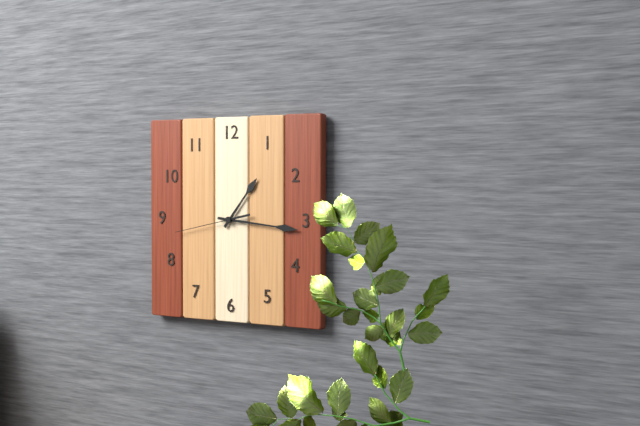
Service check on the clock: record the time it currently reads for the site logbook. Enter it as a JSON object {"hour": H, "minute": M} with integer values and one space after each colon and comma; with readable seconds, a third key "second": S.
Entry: {"hour": 1, "minute": 16, "second": 43}
